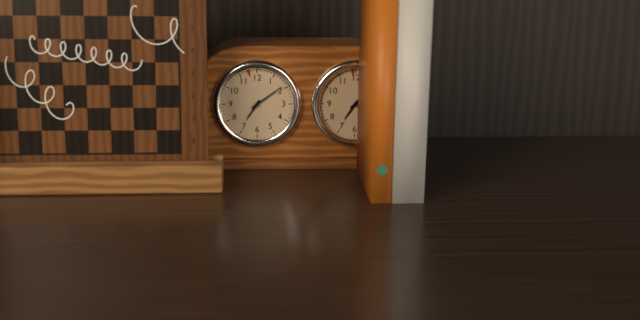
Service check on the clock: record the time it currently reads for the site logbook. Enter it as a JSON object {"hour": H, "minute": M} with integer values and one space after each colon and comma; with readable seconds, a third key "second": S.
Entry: {"hour": 7, "minute": 9}
